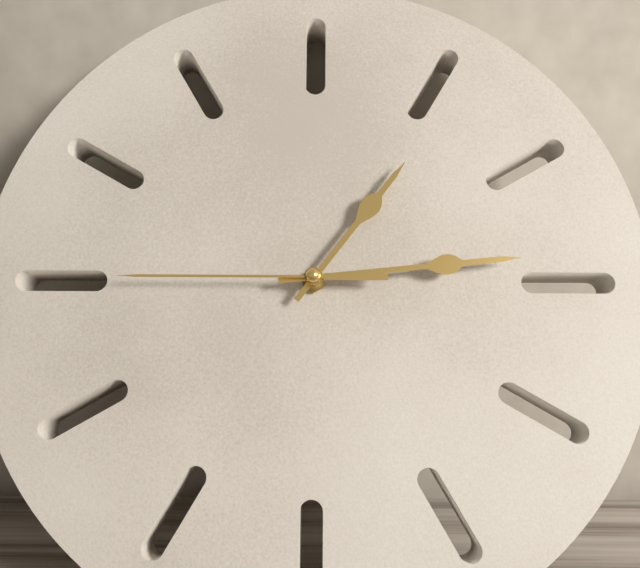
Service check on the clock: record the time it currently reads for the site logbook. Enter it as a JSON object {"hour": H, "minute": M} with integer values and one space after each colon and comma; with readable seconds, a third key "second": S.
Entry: {"hour": 1, "minute": 14, "second": 45}
